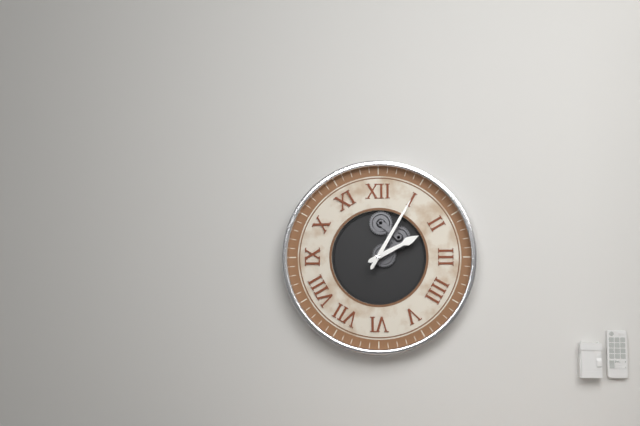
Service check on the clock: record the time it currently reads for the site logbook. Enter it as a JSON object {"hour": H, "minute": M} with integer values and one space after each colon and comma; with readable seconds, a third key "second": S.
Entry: {"hour": 2, "minute": 5}
